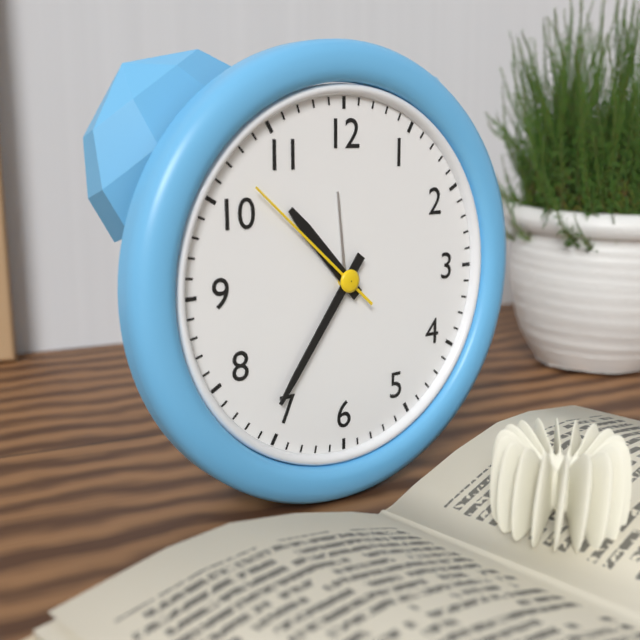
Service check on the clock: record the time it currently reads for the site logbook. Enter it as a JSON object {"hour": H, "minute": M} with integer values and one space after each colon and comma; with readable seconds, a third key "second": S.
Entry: {"hour": 10, "minute": 36, "second": 52}
